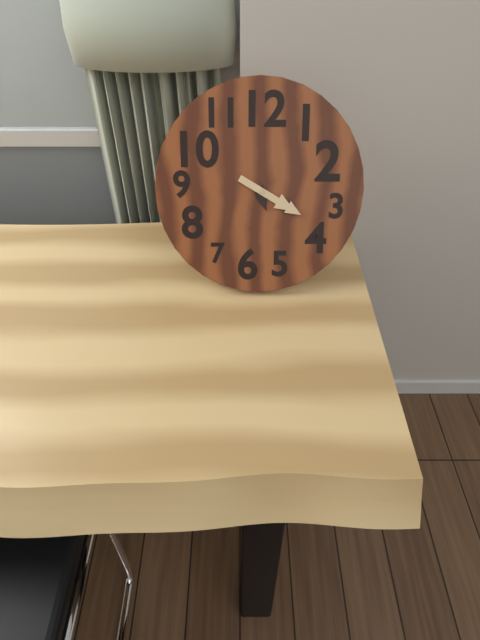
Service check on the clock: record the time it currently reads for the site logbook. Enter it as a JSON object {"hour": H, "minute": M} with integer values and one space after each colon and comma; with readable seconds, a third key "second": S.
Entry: {"hour": 5, "minute": 20}
